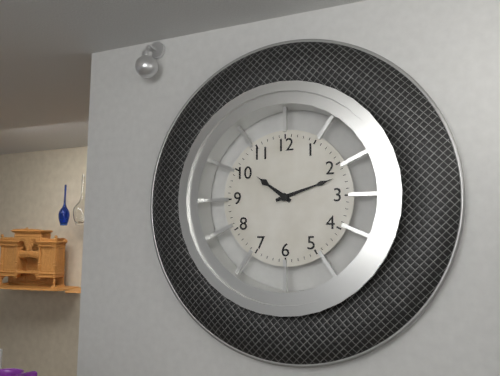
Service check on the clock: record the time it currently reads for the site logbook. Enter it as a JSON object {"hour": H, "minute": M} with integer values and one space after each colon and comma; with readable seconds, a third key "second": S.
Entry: {"hour": 10, "minute": 12}
